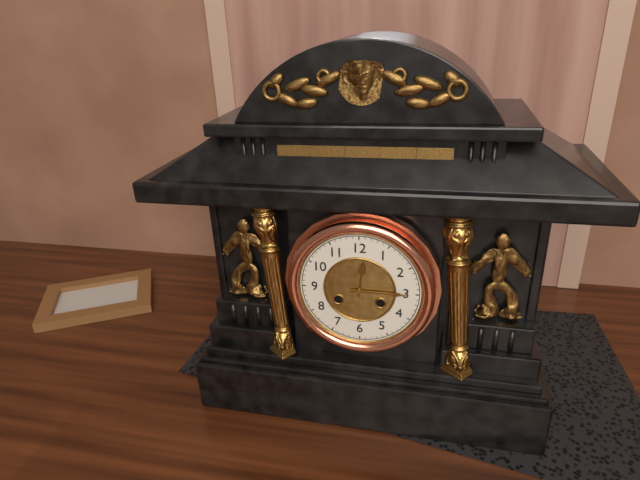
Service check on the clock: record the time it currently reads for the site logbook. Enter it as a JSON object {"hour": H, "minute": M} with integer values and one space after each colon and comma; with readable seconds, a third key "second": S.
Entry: {"hour": 12, "minute": 15}
